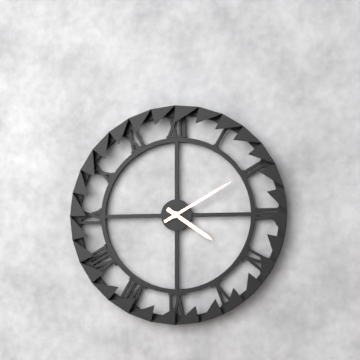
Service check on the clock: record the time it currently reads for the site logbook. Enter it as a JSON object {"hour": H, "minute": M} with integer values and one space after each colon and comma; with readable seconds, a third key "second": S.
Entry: {"hour": 4, "minute": 10}
